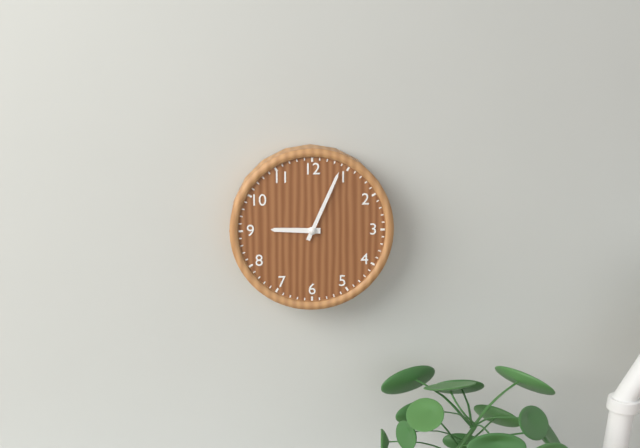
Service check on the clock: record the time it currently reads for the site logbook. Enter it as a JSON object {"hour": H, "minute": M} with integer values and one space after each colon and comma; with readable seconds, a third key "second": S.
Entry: {"hour": 9, "minute": 4}
